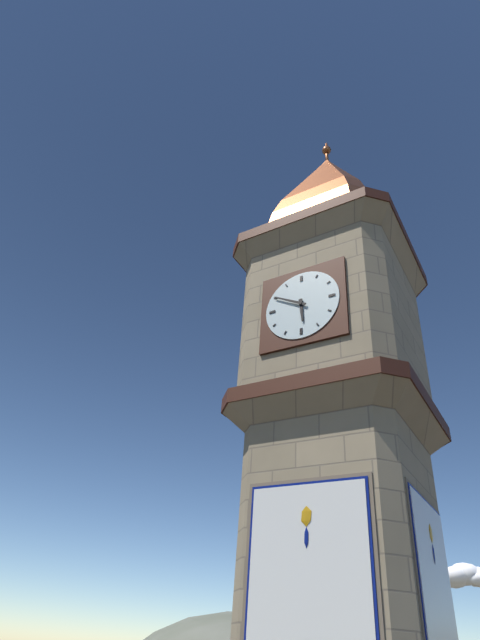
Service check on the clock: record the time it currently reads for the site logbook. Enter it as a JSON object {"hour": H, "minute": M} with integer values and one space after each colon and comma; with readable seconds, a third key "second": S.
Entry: {"hour": 5, "minute": 50}
